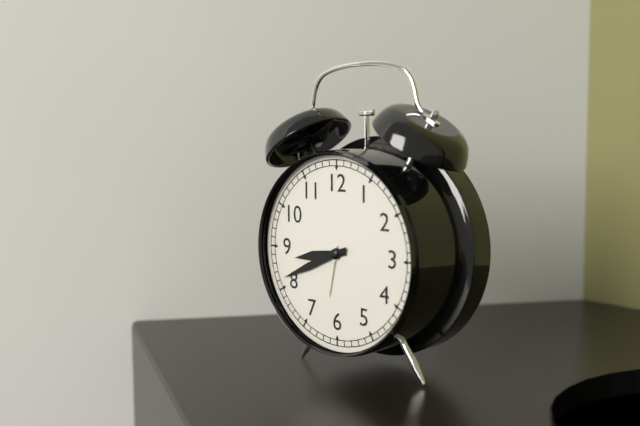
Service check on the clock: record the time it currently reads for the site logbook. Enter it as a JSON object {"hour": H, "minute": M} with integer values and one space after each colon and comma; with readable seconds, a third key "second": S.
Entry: {"hour": 8, "minute": 41}
